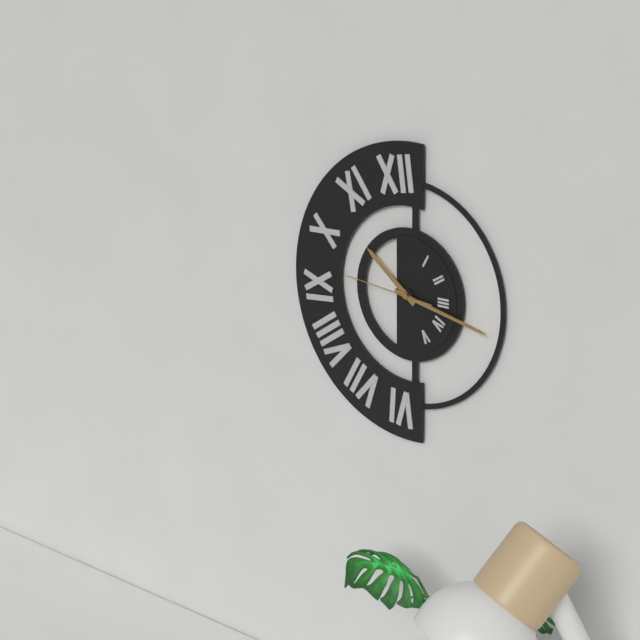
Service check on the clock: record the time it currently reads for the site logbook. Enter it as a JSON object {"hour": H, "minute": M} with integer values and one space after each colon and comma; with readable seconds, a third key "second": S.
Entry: {"hour": 10, "minute": 17, "second": 46}
